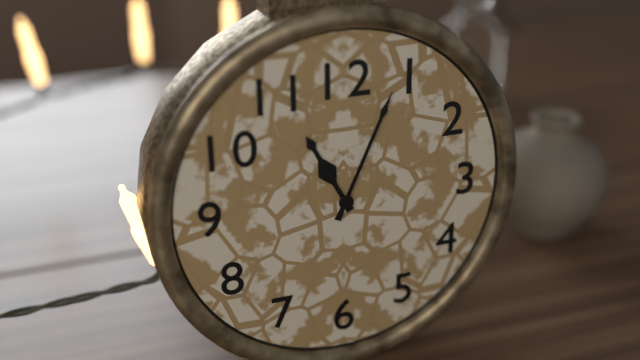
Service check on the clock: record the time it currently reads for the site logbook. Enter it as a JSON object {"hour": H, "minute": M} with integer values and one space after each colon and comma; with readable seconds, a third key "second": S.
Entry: {"hour": 11, "minute": 4}
